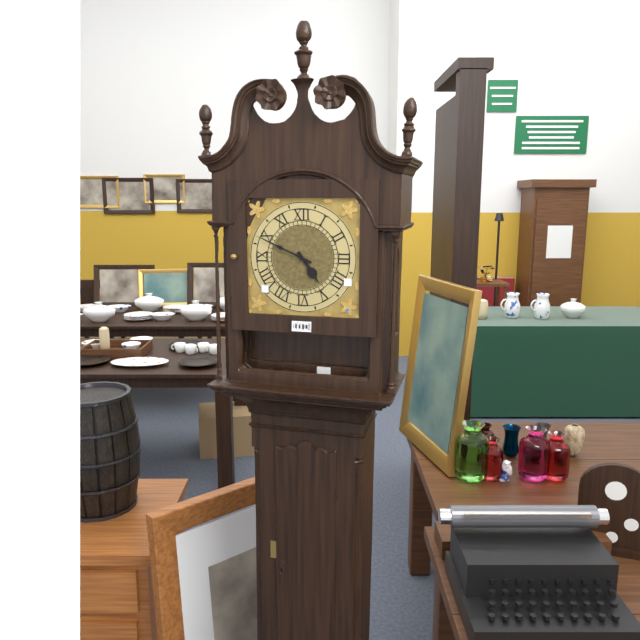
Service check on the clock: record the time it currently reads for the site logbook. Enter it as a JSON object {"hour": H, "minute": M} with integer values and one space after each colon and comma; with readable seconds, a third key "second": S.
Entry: {"hour": 4, "minute": 49}
